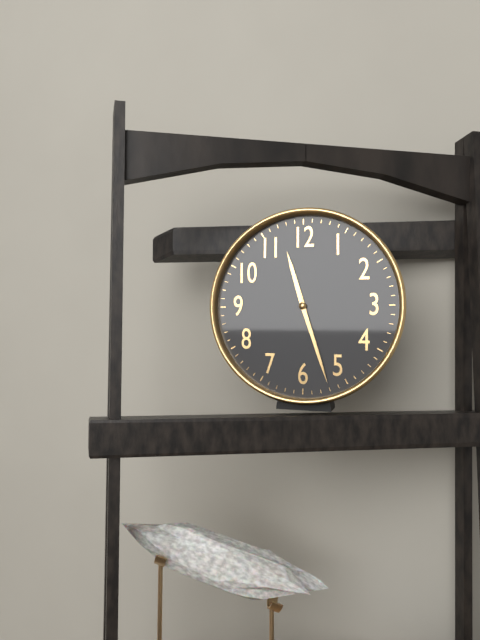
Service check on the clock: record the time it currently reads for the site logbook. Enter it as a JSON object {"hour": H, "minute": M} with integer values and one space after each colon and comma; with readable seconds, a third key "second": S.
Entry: {"hour": 11, "minute": 27}
